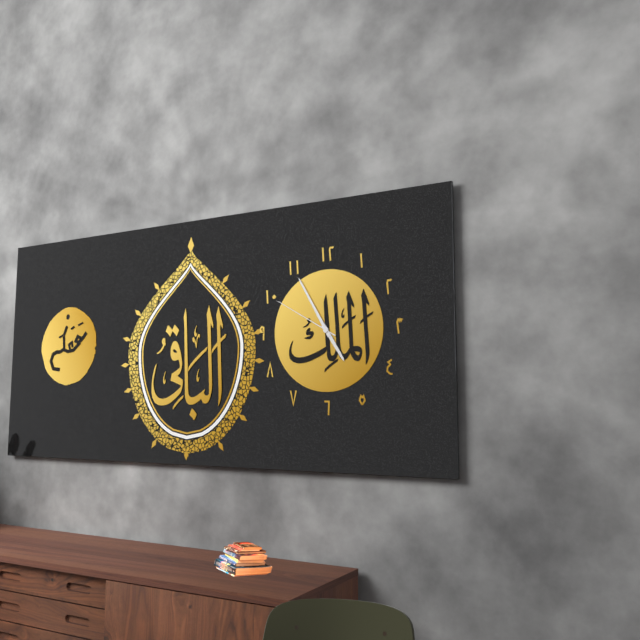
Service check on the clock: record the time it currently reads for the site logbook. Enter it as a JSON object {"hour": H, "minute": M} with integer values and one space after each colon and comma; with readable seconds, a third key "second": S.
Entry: {"hour": 4, "minute": 55, "second": 50}
